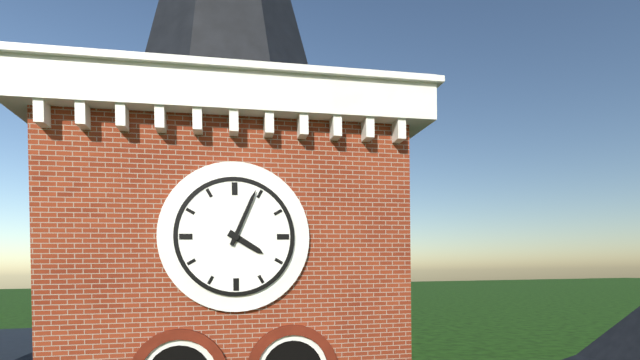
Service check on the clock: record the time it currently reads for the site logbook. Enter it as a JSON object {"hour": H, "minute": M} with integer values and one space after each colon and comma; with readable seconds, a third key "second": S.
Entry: {"hour": 4, "minute": 4}
